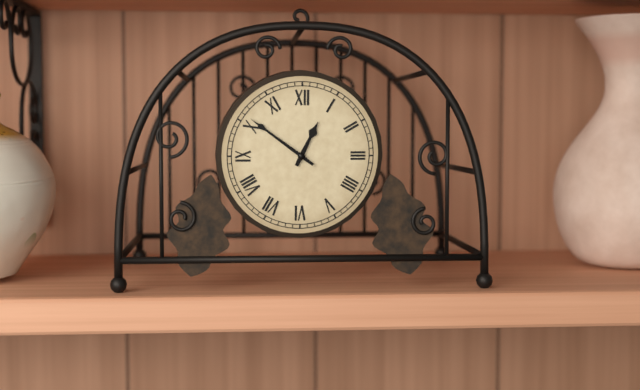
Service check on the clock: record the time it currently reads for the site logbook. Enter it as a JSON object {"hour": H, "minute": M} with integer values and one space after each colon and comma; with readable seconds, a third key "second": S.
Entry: {"hour": 12, "minute": 51}
